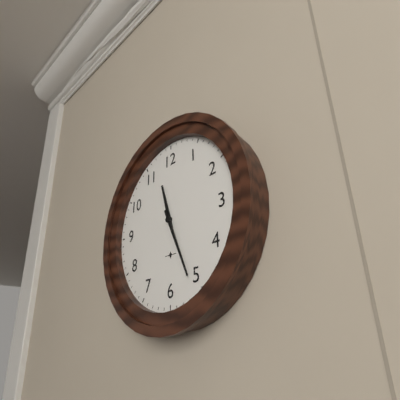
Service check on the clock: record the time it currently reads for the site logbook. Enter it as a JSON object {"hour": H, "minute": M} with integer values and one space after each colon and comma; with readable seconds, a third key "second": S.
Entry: {"hour": 11, "minute": 26}
